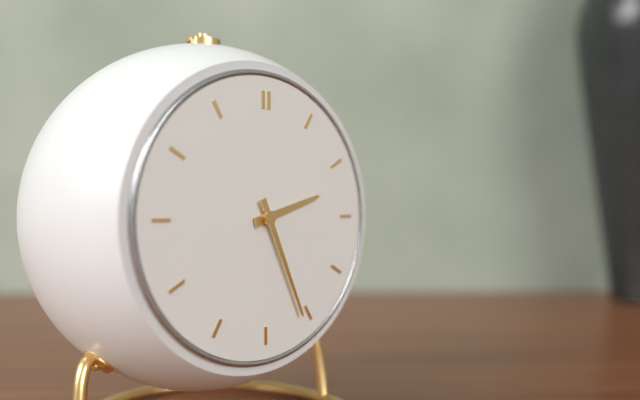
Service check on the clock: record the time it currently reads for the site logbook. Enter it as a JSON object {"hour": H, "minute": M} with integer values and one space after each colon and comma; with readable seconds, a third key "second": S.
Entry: {"hour": 2, "minute": 26}
